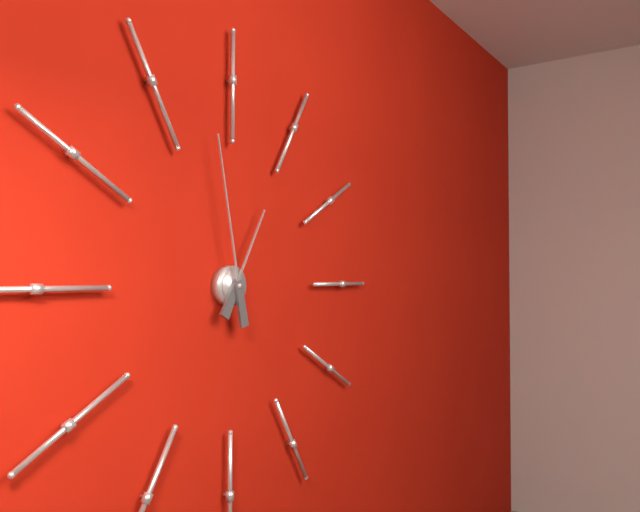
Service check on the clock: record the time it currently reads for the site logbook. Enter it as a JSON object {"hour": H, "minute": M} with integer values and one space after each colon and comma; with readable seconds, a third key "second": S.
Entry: {"hour": 12, "minute": 58}
